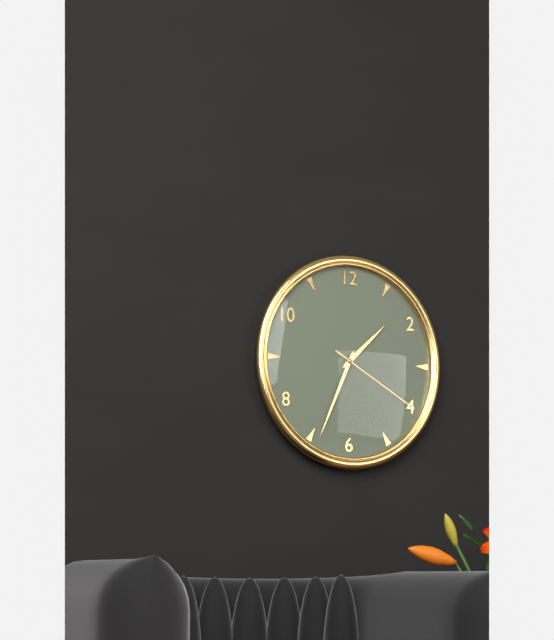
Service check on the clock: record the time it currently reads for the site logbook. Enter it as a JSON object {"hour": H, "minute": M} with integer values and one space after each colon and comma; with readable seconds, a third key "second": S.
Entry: {"hour": 1, "minute": 34, "second": 20}
